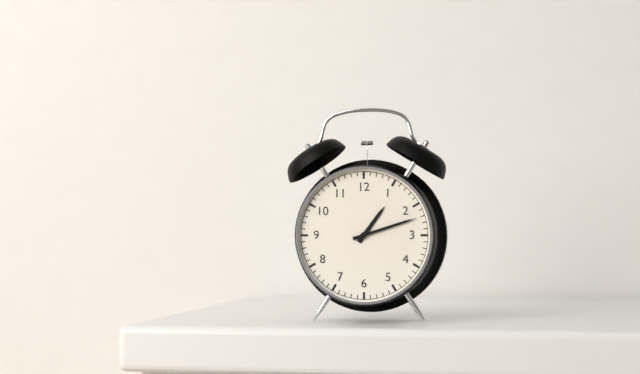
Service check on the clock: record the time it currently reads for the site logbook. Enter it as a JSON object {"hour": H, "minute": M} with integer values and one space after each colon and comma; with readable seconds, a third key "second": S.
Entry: {"hour": 1, "minute": 12}
